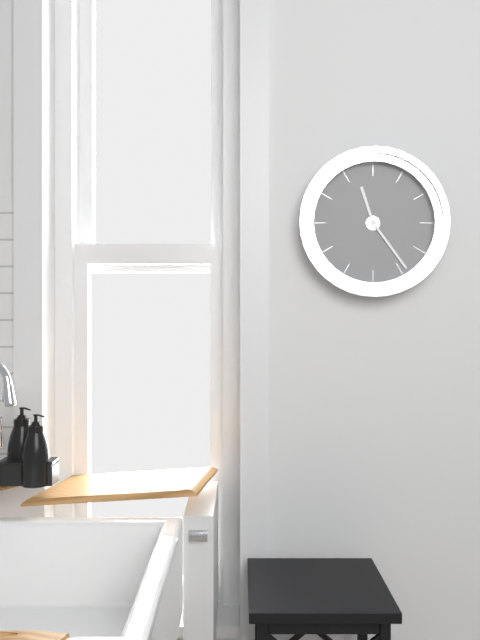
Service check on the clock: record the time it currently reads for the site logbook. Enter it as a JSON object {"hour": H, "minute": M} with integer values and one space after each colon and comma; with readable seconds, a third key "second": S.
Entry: {"hour": 11, "minute": 24}
